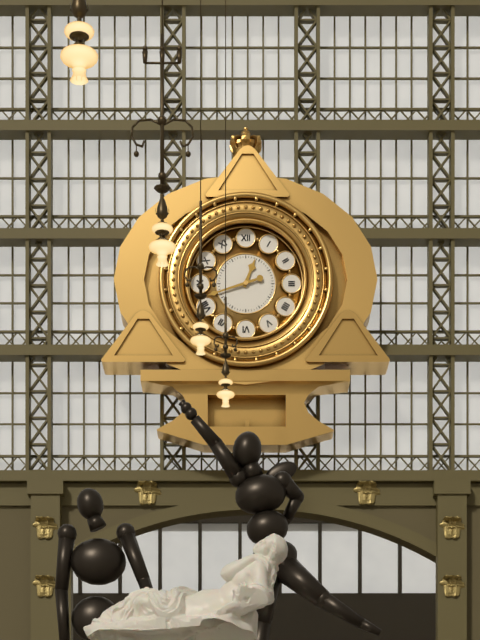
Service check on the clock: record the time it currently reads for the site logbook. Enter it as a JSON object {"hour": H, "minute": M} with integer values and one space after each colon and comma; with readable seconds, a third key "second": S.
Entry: {"hour": 12, "minute": 42}
